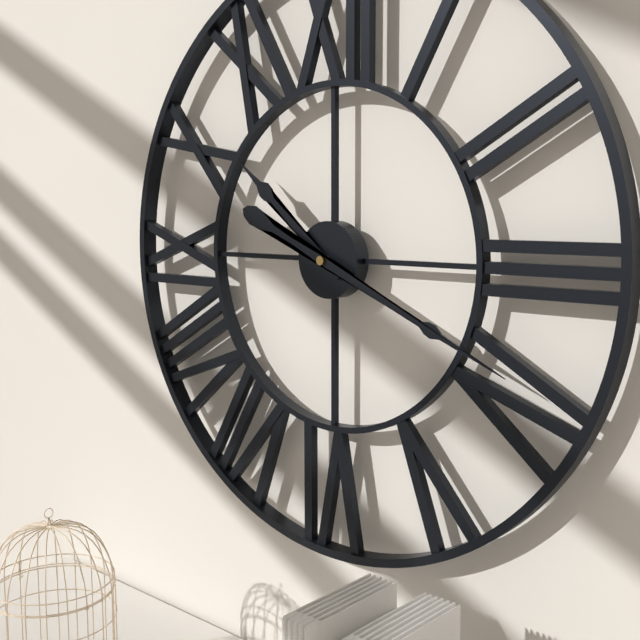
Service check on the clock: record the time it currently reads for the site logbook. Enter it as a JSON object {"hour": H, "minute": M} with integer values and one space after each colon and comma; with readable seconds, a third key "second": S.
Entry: {"hour": 10, "minute": 19}
